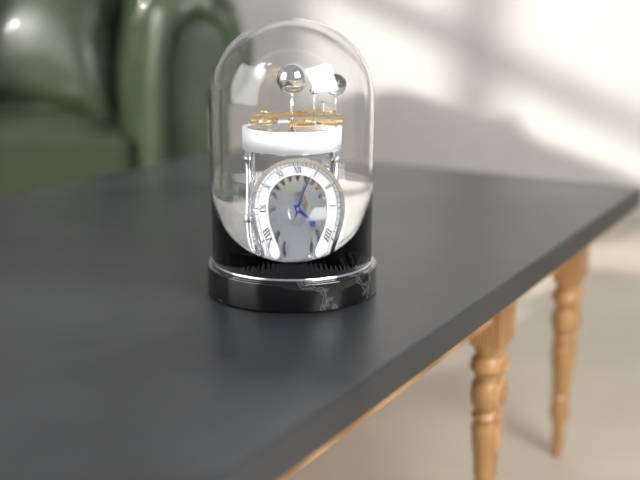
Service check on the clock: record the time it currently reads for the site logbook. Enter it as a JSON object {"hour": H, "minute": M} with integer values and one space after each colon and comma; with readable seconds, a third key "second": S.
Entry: {"hour": 4, "minute": 4}
